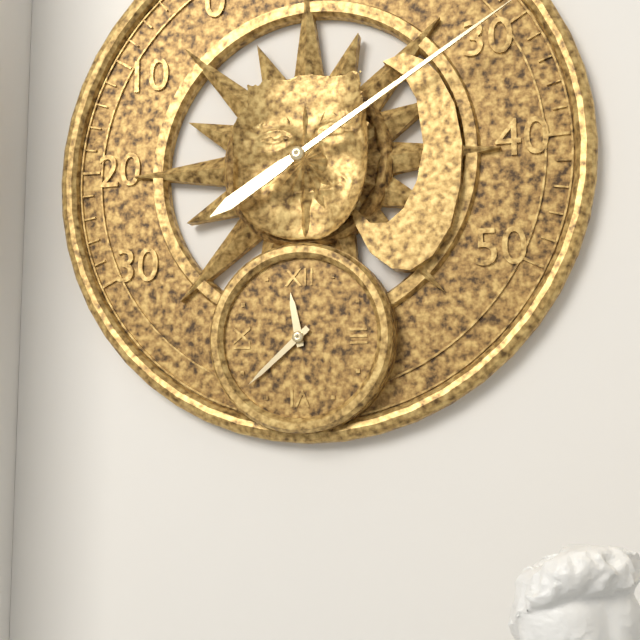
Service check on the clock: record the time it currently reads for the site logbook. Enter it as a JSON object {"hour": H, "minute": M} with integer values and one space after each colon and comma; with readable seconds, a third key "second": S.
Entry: {"hour": 11, "minute": 38}
